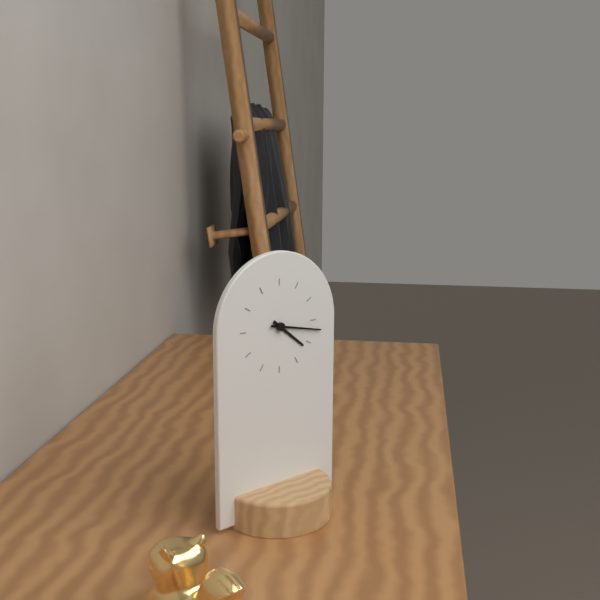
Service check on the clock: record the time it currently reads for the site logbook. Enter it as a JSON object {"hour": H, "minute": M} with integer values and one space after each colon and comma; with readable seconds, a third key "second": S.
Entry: {"hour": 4, "minute": 17}
